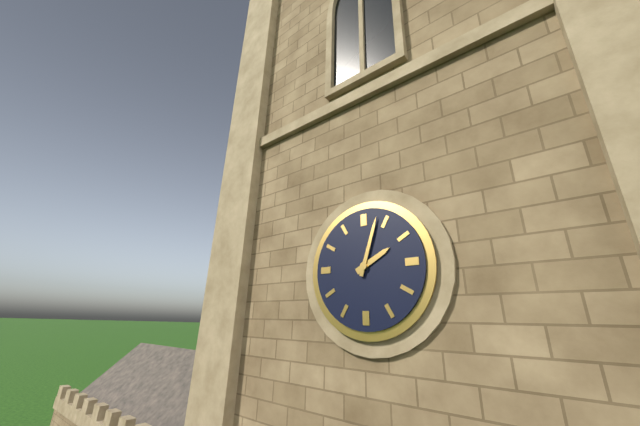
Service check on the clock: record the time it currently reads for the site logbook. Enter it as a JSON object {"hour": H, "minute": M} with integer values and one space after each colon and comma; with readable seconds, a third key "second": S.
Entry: {"hour": 2, "minute": 3}
